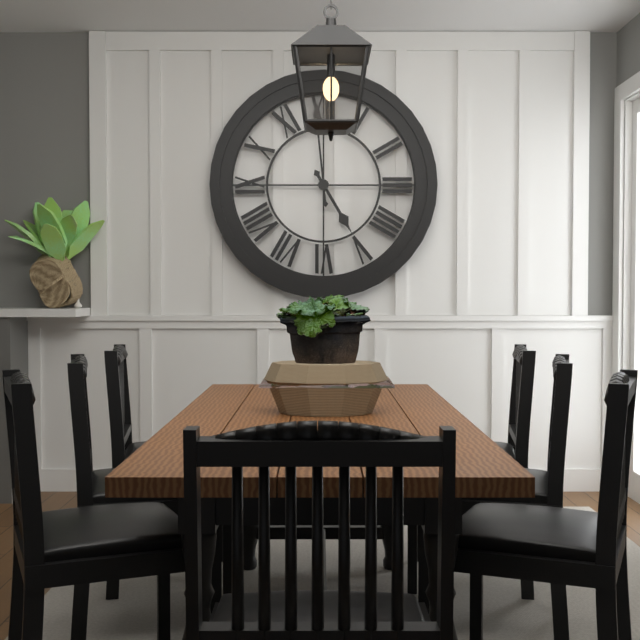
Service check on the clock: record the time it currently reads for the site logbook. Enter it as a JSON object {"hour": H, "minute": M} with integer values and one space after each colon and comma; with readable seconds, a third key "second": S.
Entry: {"hour": 4, "minute": 59}
